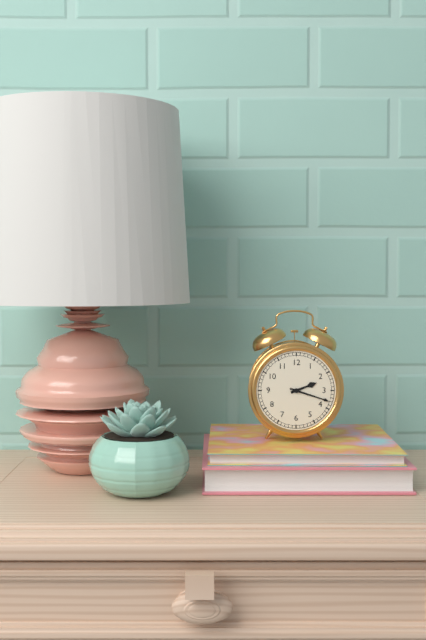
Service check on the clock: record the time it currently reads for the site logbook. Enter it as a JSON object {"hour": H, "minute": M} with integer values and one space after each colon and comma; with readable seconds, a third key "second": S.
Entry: {"hour": 2, "minute": 18}
